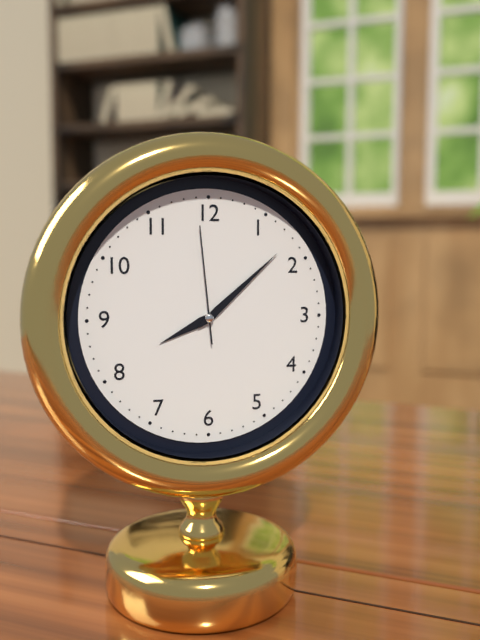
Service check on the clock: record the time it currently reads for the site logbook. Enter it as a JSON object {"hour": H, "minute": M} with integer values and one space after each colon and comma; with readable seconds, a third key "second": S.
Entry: {"hour": 8, "minute": 8, "second": 59}
